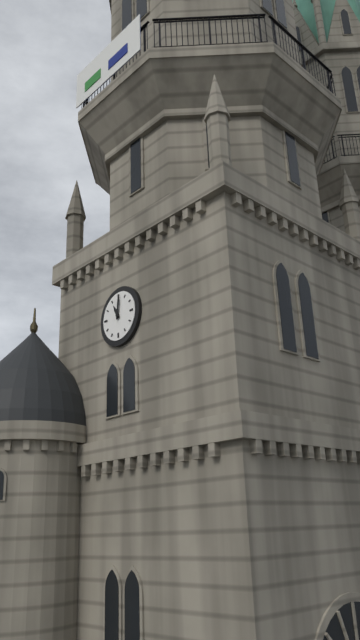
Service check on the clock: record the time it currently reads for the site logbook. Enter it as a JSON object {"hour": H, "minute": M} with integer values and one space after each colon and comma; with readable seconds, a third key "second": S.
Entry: {"hour": 11, "minute": 1}
